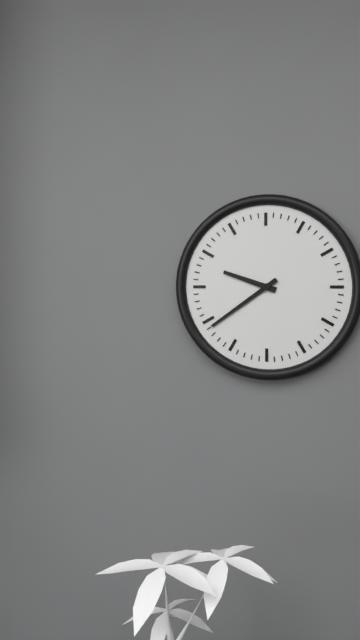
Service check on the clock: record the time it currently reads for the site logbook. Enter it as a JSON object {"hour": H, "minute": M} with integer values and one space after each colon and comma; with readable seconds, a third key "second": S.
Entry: {"hour": 9, "minute": 39}
